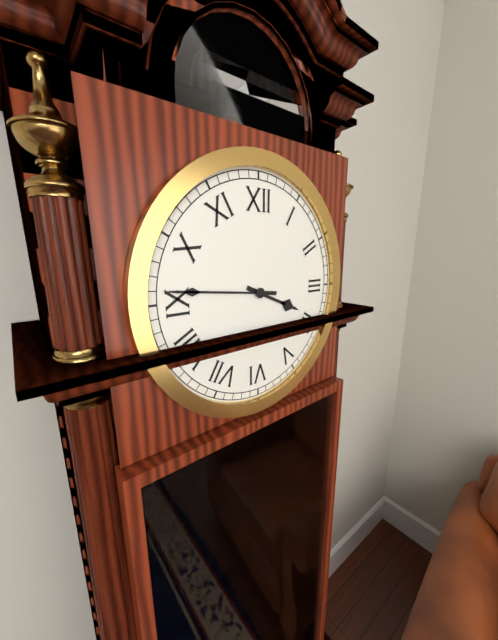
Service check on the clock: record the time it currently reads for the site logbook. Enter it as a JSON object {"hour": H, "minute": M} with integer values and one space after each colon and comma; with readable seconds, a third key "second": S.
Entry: {"hour": 3, "minute": 46}
